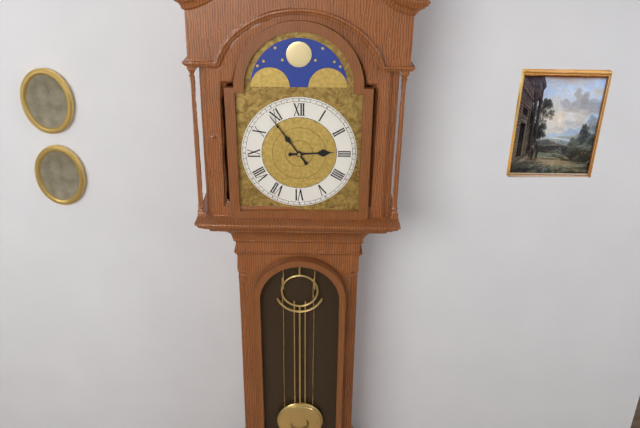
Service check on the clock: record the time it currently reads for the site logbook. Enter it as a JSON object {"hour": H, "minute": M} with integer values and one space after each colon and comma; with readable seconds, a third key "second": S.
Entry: {"hour": 2, "minute": 54}
